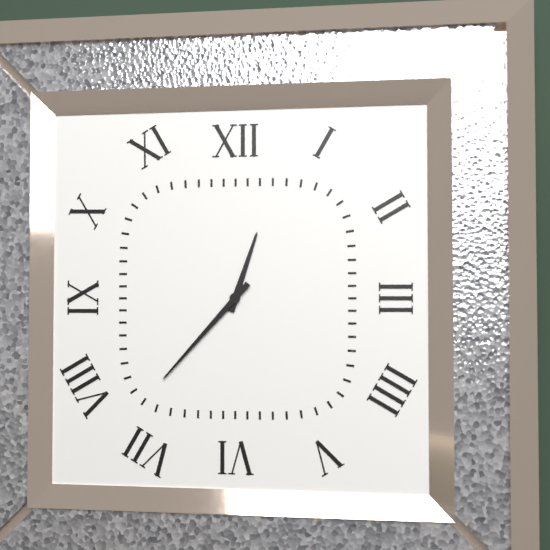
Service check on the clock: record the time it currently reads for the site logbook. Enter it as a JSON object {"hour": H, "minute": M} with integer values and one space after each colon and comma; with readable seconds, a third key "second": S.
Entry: {"hour": 12, "minute": 37}
